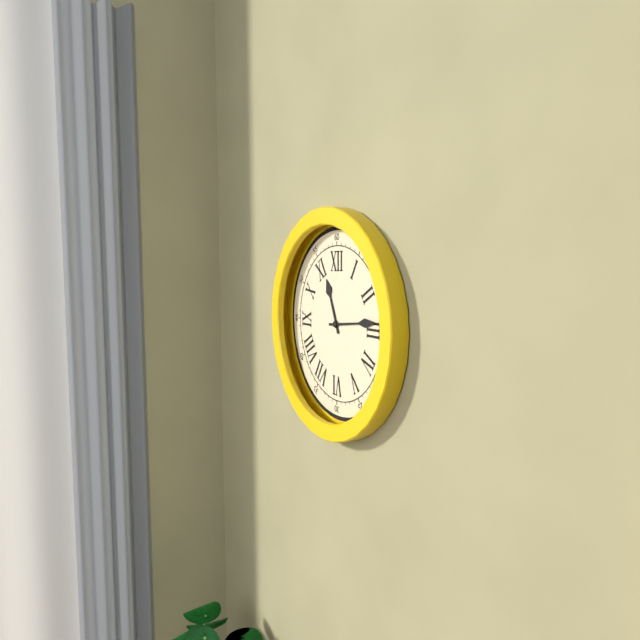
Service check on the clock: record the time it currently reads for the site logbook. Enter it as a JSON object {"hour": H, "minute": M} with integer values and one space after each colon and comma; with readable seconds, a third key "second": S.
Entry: {"hour": 11, "minute": 14}
